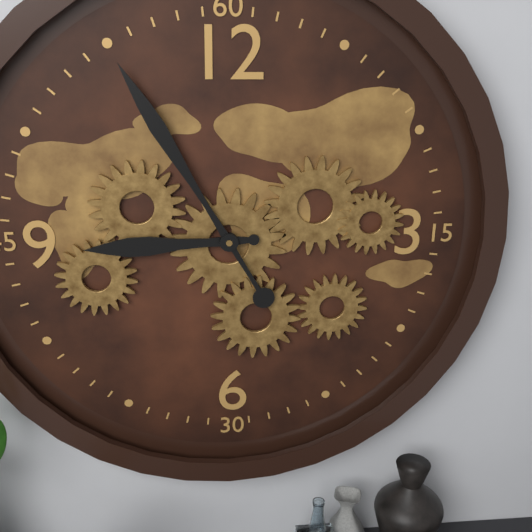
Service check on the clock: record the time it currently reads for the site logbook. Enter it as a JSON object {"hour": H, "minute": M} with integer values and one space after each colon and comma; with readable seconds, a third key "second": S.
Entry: {"hour": 8, "minute": 55}
